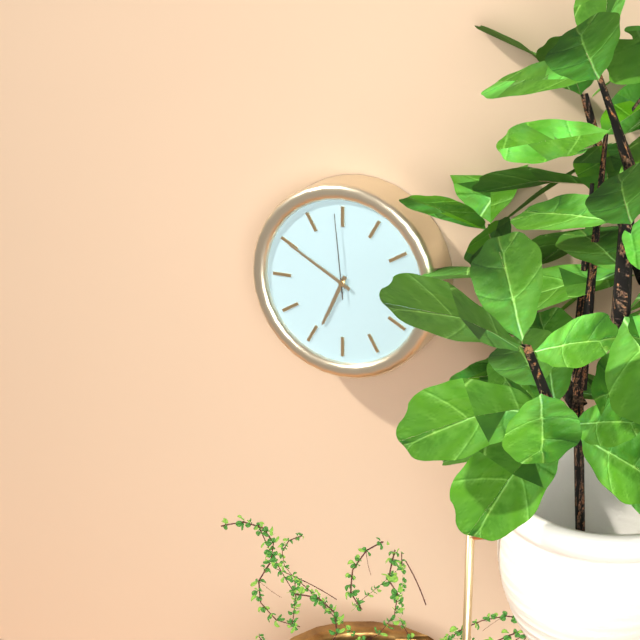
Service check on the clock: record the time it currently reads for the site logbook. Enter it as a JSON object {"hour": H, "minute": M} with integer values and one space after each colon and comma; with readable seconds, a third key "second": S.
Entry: {"hour": 6, "minute": 50, "second": 59}
